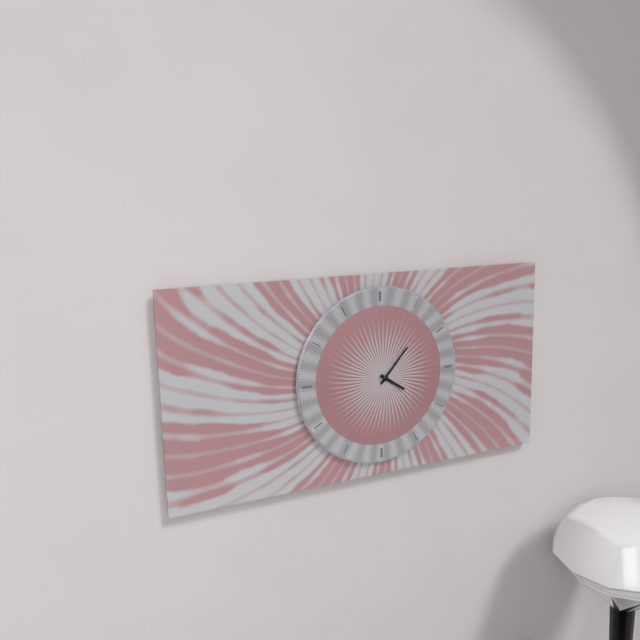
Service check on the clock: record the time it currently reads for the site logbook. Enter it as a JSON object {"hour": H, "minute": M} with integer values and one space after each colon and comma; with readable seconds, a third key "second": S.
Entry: {"hour": 4, "minute": 7}
